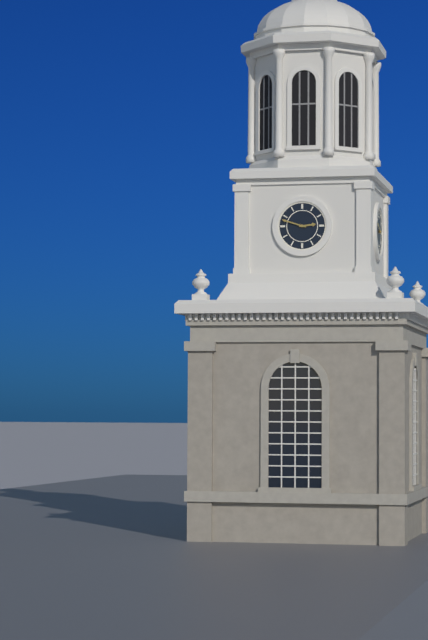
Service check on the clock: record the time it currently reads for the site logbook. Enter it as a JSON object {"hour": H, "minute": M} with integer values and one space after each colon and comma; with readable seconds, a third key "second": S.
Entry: {"hour": 2, "minute": 48}
